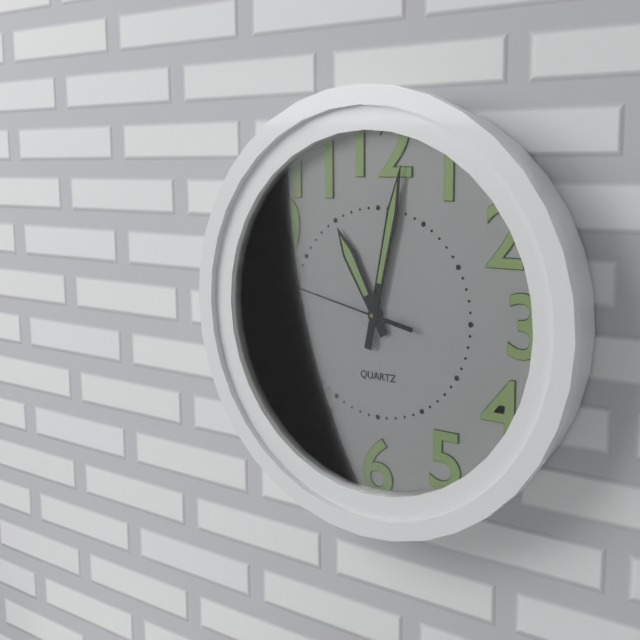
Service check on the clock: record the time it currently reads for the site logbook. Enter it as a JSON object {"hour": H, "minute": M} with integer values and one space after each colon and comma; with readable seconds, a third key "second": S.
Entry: {"hour": 11, "minute": 2, "second": 47}
